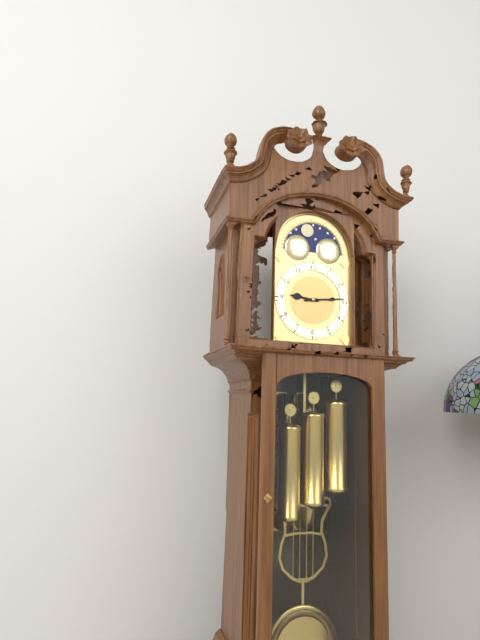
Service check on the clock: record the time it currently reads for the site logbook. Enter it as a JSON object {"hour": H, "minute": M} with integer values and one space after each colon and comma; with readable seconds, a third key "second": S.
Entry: {"hour": 9, "minute": 14}
